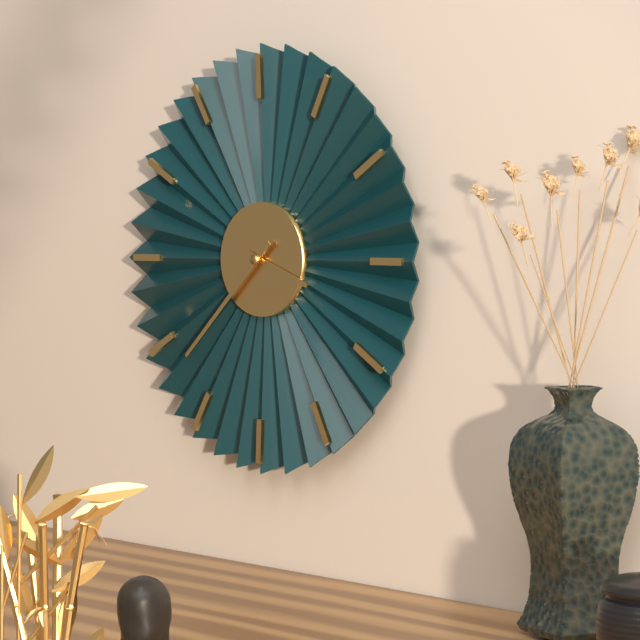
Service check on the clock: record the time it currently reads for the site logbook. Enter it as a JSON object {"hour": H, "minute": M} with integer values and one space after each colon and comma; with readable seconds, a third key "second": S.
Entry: {"hour": 3, "minute": 38}
